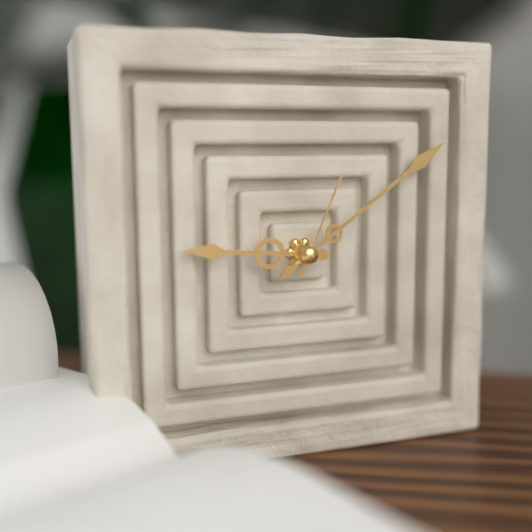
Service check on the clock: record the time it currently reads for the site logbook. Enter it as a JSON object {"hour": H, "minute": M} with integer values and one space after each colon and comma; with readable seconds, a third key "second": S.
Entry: {"hour": 9, "minute": 9, "second": 4}
